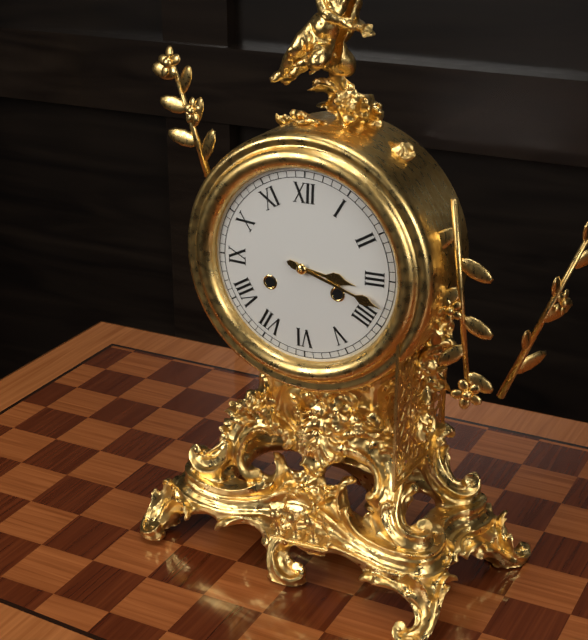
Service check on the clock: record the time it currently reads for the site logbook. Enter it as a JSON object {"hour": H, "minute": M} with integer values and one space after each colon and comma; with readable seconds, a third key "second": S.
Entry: {"hour": 3, "minute": 18}
